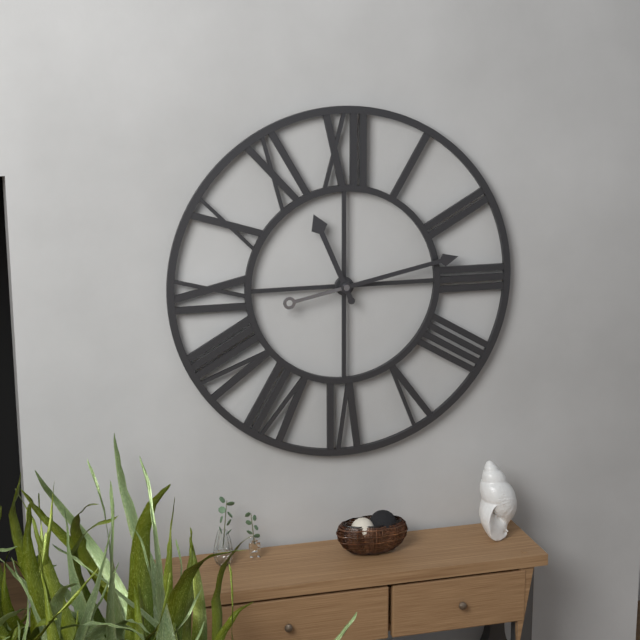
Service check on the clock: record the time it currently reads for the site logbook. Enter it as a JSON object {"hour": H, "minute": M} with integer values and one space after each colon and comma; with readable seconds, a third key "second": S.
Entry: {"hour": 11, "minute": 13}
